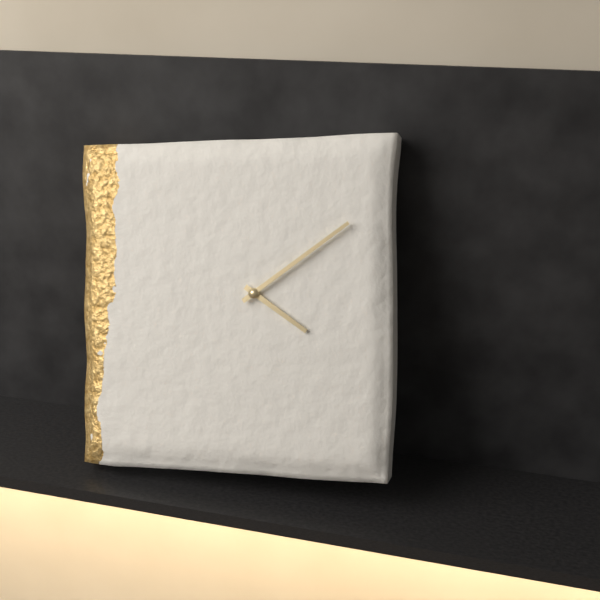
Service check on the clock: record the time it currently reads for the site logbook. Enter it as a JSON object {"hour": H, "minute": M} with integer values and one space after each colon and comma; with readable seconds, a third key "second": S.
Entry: {"hour": 4, "minute": 9}
